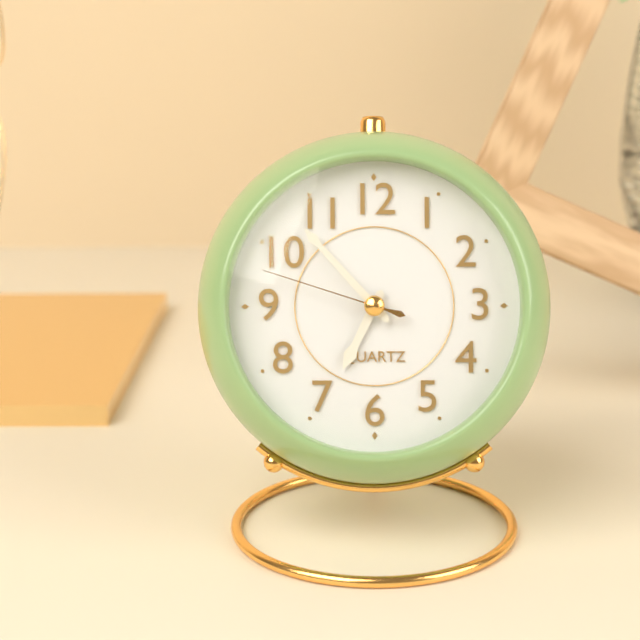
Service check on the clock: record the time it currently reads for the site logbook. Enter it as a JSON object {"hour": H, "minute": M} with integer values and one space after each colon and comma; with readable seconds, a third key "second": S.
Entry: {"hour": 6, "minute": 53, "second": 48}
